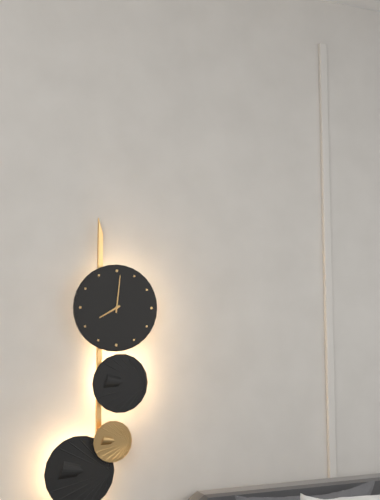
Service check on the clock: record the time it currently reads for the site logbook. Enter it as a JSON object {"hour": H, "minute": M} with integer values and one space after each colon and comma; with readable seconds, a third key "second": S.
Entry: {"hour": 8, "minute": 1}
